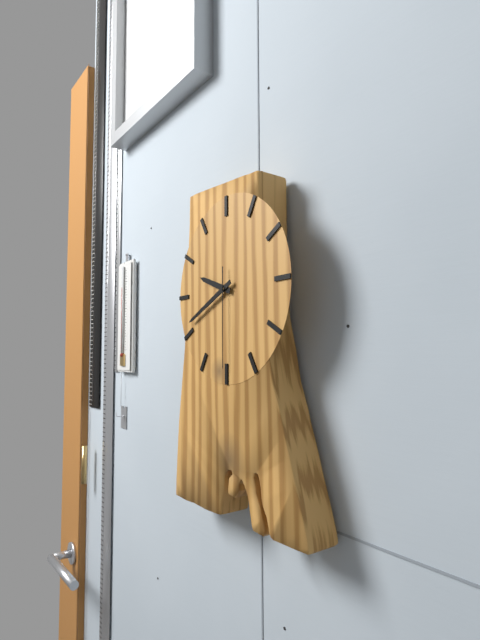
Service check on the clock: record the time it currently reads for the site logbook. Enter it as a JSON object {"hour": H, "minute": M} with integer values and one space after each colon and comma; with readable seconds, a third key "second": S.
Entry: {"hour": 9, "minute": 41, "second": 30}
